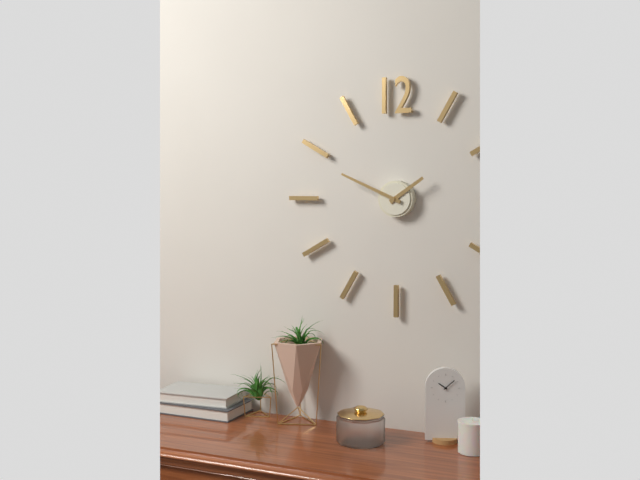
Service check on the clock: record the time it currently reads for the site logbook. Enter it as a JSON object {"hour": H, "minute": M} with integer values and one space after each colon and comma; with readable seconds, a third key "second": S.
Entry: {"hour": 1, "minute": 49}
